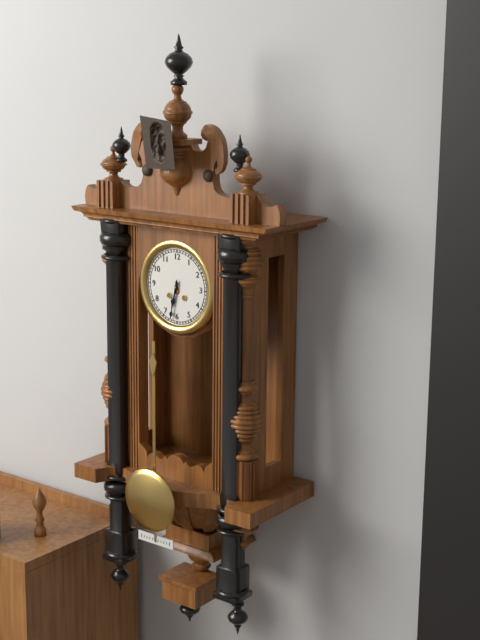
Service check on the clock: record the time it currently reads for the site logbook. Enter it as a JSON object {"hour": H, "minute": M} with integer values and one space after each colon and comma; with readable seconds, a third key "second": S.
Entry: {"hour": 6, "minute": 32}
